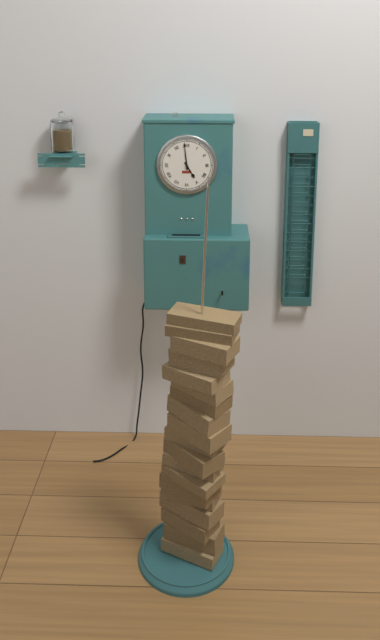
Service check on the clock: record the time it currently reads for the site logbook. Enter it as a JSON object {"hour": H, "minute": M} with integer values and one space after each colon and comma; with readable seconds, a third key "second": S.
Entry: {"hour": 4, "minute": 59}
